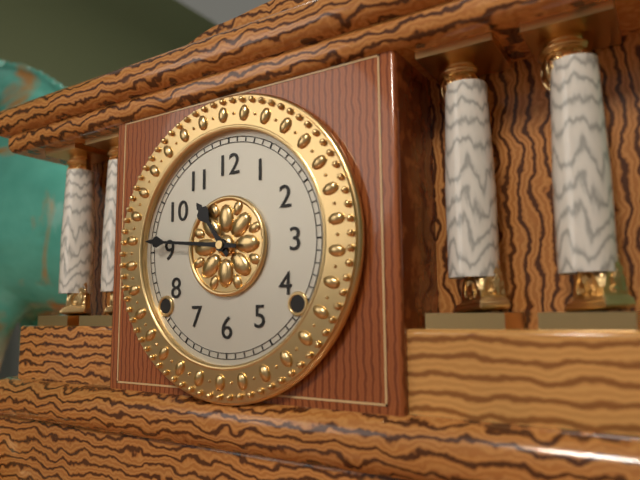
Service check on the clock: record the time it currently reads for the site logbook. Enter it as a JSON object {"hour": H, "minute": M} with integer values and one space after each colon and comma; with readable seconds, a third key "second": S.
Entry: {"hour": 10, "minute": 46}
